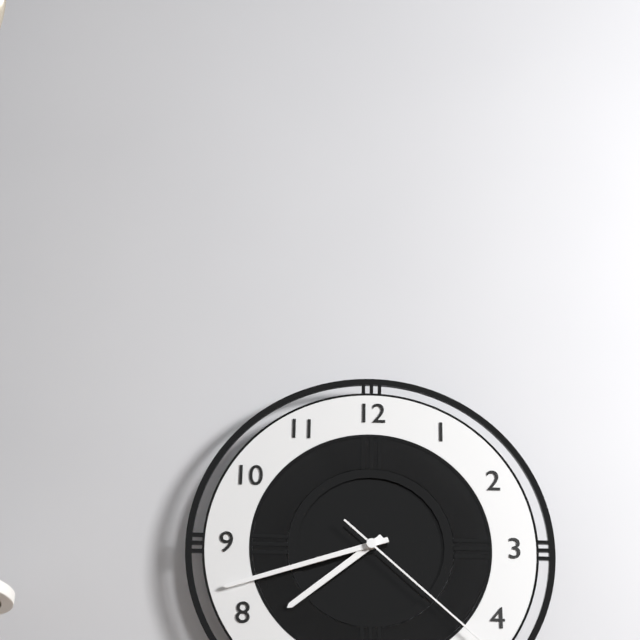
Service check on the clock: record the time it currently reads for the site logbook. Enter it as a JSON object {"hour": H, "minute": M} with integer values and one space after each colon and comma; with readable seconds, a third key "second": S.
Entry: {"hour": 7, "minute": 42}
